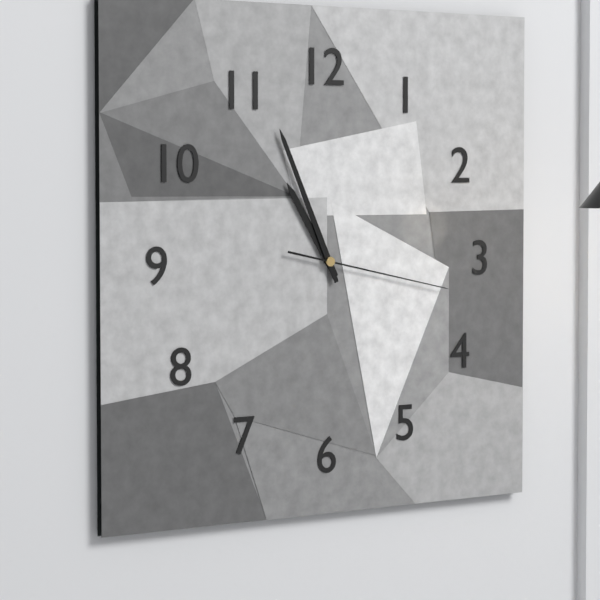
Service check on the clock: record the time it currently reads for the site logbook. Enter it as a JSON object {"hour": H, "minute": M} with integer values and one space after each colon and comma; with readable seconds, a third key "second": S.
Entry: {"hour": 10, "minute": 56, "second": 17}
